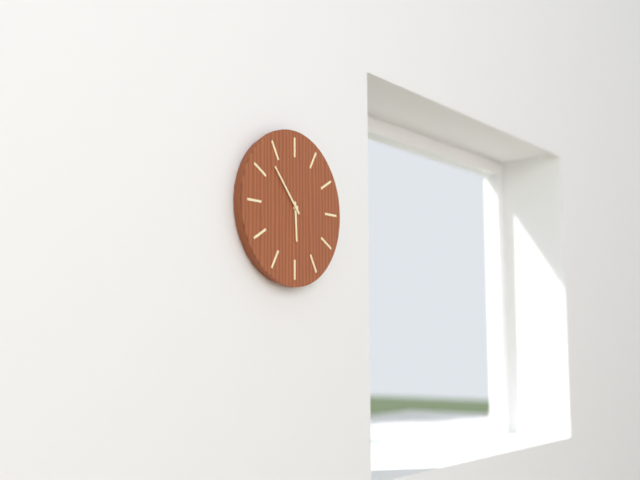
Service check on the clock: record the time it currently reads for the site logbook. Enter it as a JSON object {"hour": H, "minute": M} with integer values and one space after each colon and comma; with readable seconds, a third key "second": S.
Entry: {"hour": 5, "minute": 53}
